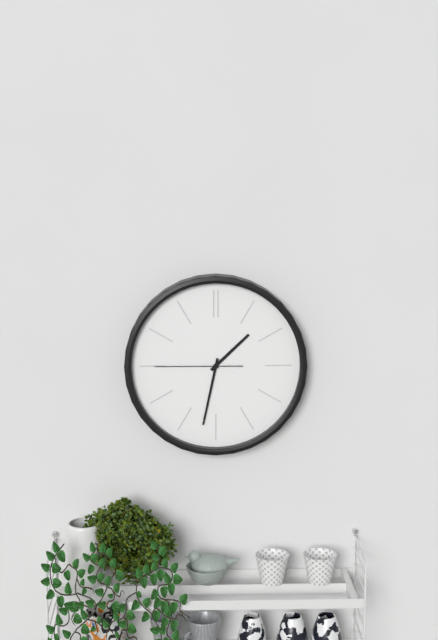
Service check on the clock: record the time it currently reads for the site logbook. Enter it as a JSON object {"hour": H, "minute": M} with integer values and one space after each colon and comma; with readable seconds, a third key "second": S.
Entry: {"hour": 1, "minute": 32, "second": 45}
